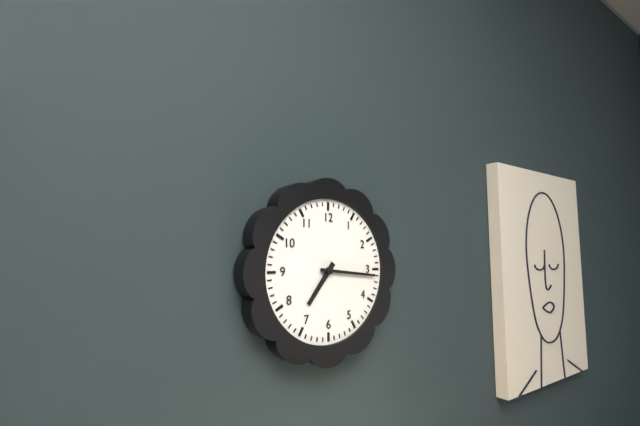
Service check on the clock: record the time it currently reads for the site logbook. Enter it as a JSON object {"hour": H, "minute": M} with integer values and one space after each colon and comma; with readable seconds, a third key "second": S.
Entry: {"hour": 7, "minute": 16}
